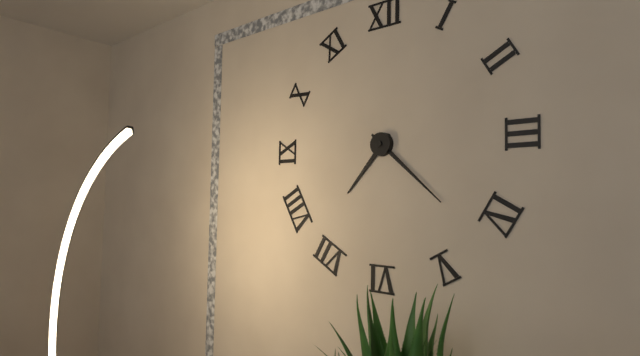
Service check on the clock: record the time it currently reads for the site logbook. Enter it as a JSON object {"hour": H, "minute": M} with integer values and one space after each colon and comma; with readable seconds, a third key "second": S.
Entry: {"hour": 7, "minute": 22}
